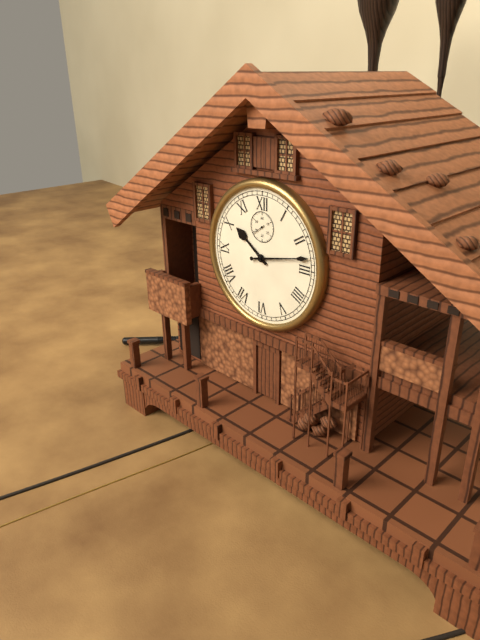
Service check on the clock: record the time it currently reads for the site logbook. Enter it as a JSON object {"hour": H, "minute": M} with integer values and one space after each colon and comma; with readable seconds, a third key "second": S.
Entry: {"hour": 10, "minute": 13}
